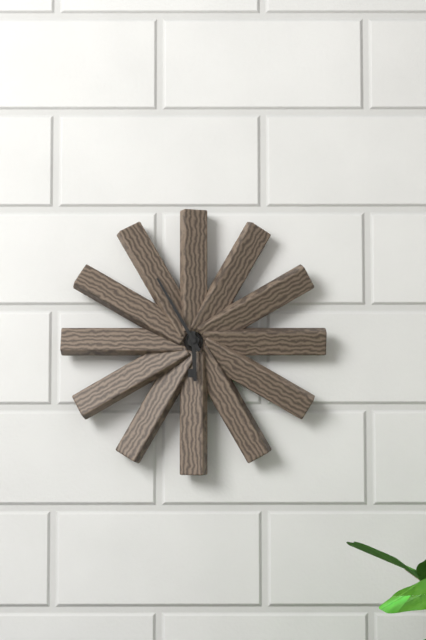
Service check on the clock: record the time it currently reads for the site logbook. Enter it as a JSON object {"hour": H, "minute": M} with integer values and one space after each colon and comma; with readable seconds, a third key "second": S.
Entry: {"hour": 5, "minute": 55}
